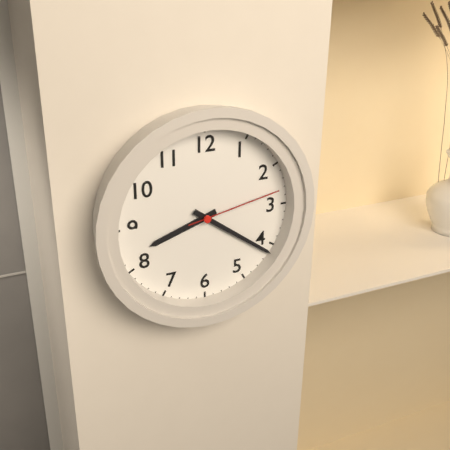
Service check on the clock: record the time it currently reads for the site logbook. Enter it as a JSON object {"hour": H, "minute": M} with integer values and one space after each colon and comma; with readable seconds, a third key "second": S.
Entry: {"hour": 8, "minute": 21, "second": 13}
